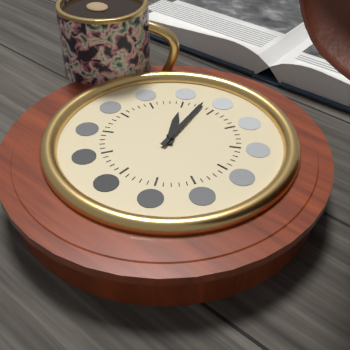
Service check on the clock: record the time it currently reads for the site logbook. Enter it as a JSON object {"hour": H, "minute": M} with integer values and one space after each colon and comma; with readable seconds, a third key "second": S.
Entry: {"hour": 10, "minute": 58}
